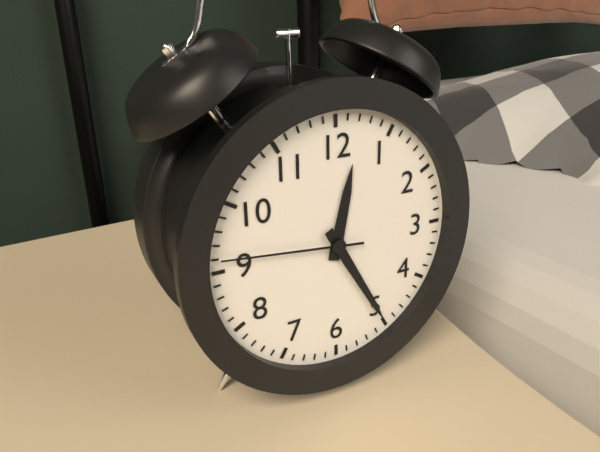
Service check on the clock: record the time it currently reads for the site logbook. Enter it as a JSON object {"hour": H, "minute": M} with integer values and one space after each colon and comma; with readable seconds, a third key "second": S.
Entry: {"hour": 12, "minute": 25, "second": 46}
